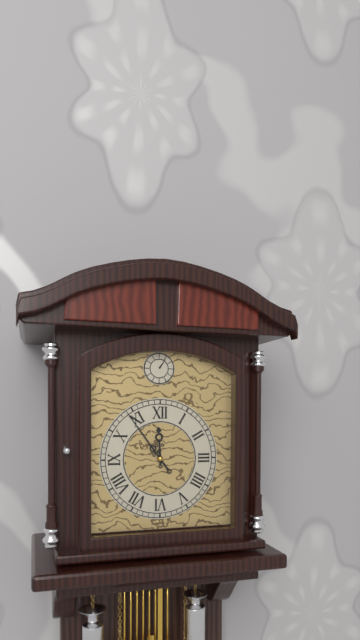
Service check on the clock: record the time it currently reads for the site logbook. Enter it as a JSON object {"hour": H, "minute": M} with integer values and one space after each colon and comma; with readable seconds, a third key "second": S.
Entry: {"hour": 11, "minute": 54}
